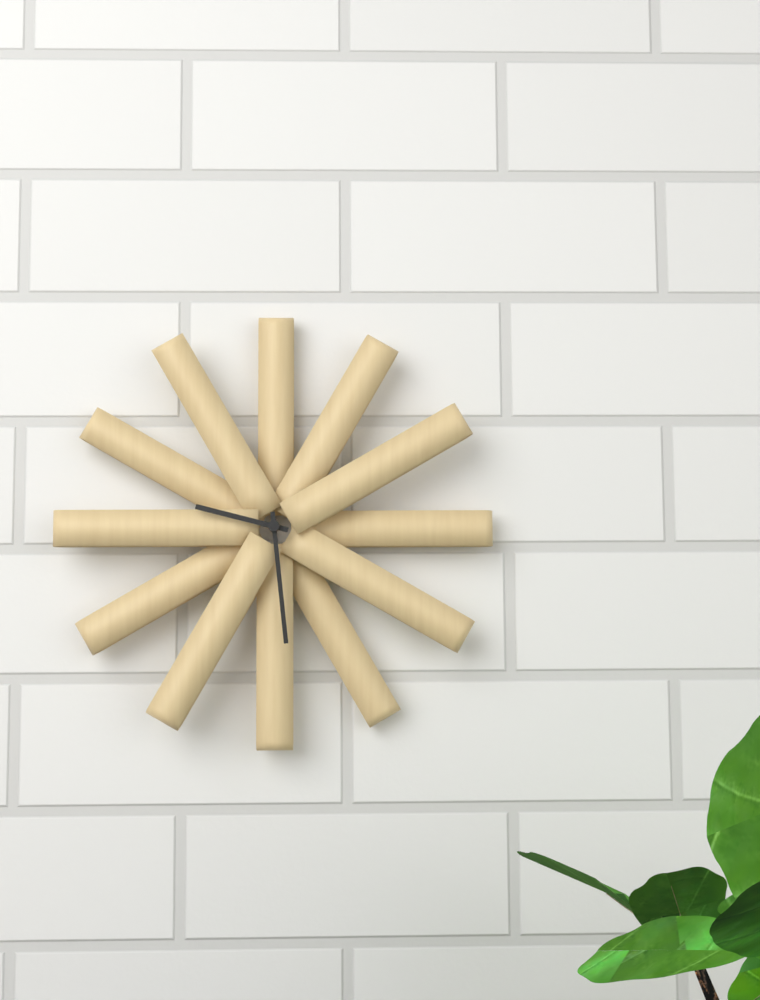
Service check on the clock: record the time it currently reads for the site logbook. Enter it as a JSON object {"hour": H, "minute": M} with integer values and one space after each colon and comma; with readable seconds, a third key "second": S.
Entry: {"hour": 9, "minute": 29}
